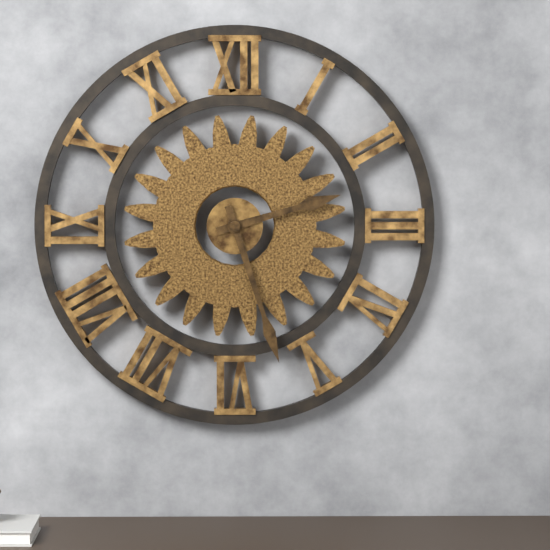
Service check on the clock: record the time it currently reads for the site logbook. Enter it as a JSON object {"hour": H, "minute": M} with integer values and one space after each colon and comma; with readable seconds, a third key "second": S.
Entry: {"hour": 2, "minute": 27}
